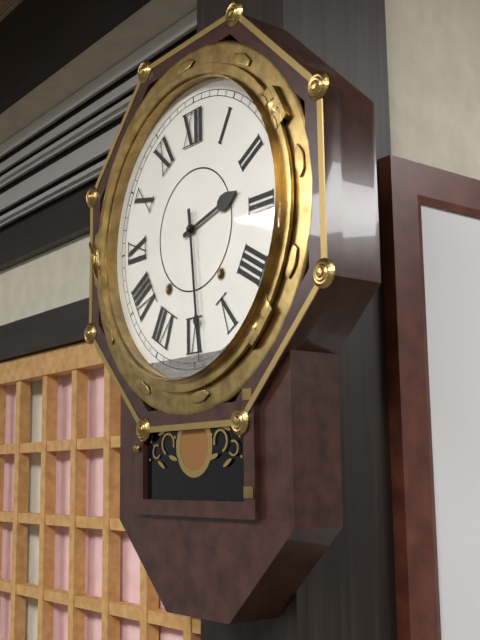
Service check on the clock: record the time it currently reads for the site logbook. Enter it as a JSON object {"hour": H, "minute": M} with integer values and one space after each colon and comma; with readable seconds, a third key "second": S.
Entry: {"hour": 2, "minute": 29}
